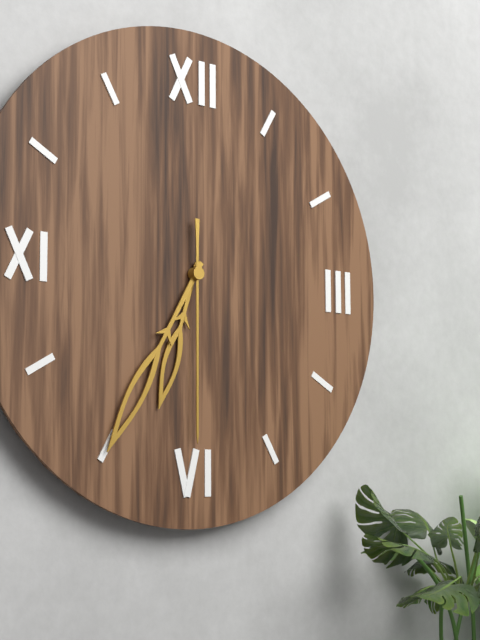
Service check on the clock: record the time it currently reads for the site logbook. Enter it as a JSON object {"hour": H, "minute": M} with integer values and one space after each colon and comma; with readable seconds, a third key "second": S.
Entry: {"hour": 6, "minute": 35, "second": 30}
